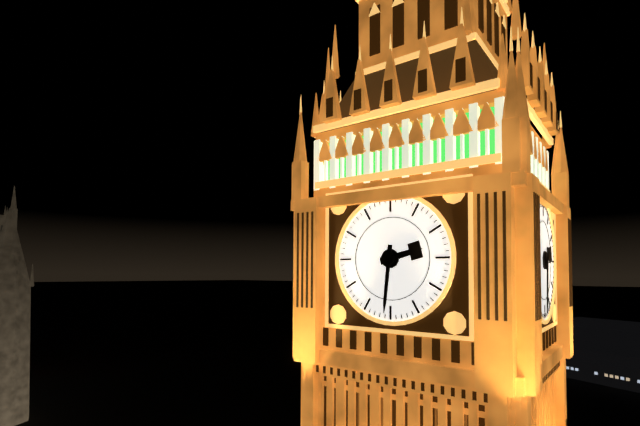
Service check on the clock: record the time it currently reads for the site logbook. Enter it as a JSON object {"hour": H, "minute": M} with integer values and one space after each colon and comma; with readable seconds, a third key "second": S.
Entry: {"hour": 2, "minute": 31}
